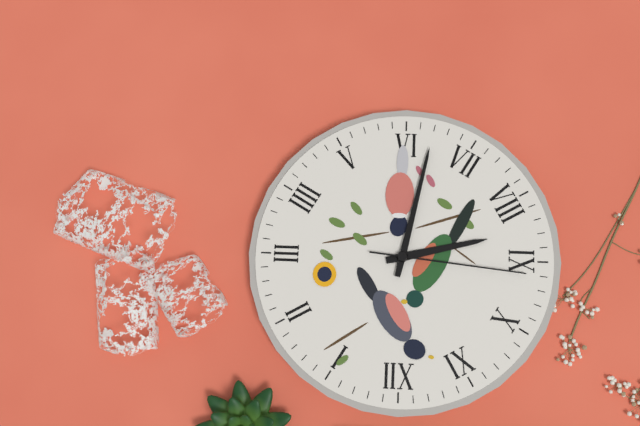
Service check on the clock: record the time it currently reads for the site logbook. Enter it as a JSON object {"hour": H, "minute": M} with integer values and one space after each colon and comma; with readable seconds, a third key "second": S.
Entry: {"hour": 8, "minute": 32, "second": 46}
